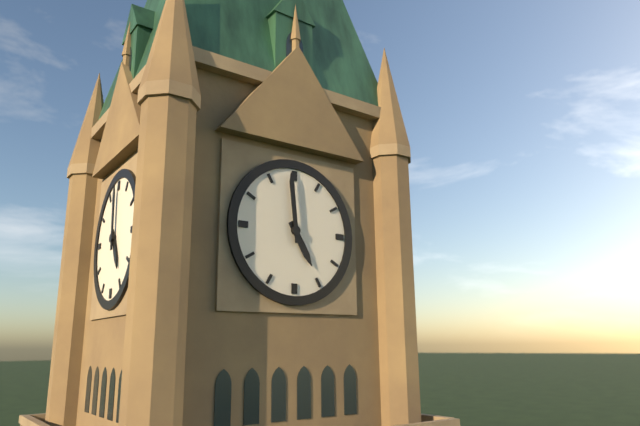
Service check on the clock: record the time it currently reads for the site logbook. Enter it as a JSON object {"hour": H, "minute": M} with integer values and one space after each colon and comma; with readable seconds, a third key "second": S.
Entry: {"hour": 4, "minute": 59}
